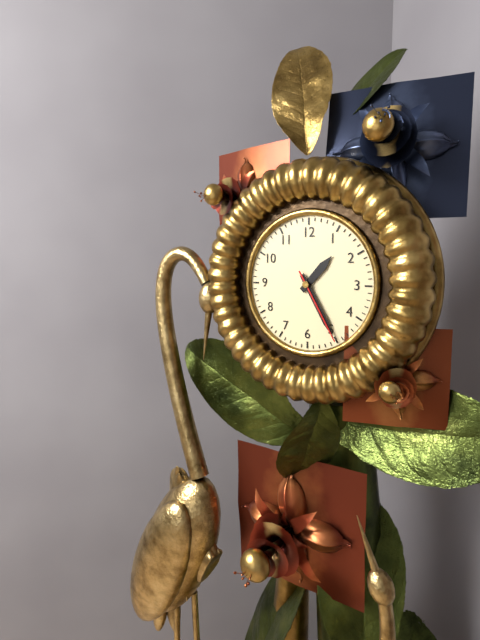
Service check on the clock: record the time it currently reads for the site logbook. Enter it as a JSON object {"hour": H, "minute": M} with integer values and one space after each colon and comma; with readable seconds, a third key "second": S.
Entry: {"hour": 1, "minute": 25, "second": 25}
